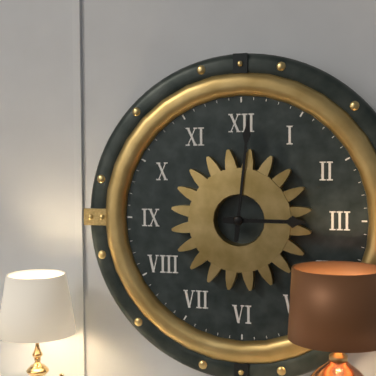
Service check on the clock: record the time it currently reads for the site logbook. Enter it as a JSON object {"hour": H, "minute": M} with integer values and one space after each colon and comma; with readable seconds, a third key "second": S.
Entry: {"hour": 3, "minute": 1}
